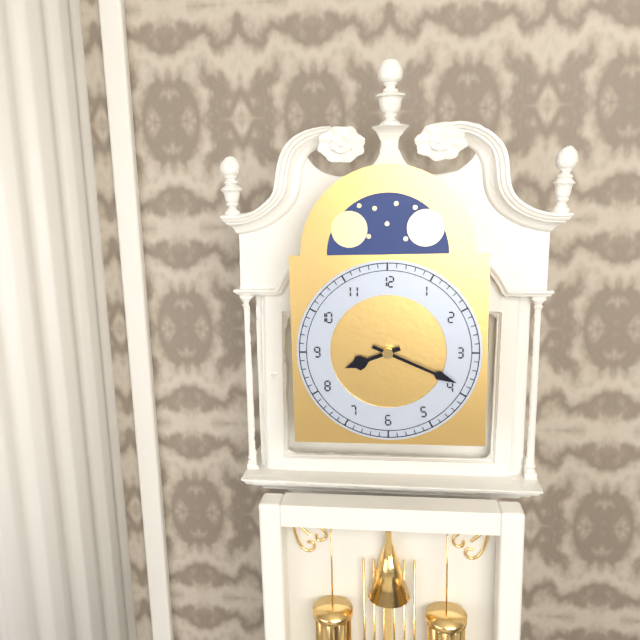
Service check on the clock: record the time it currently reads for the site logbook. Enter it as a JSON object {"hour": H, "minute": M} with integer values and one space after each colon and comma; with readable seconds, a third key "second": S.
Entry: {"hour": 8, "minute": 19}
